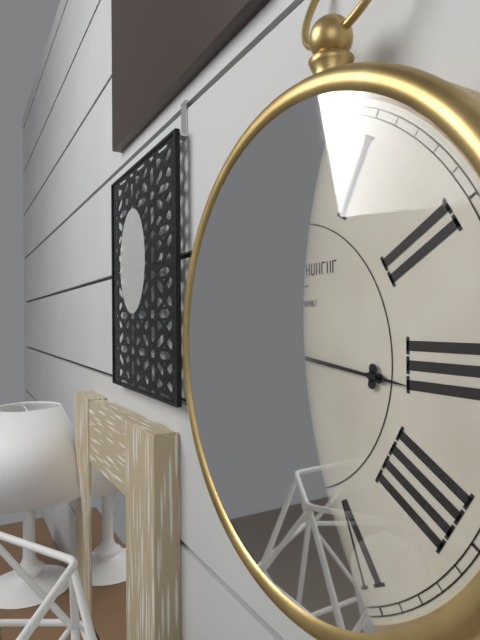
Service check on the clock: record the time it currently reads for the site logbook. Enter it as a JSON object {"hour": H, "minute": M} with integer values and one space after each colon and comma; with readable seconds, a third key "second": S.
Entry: {"hour": 7, "minute": 16}
